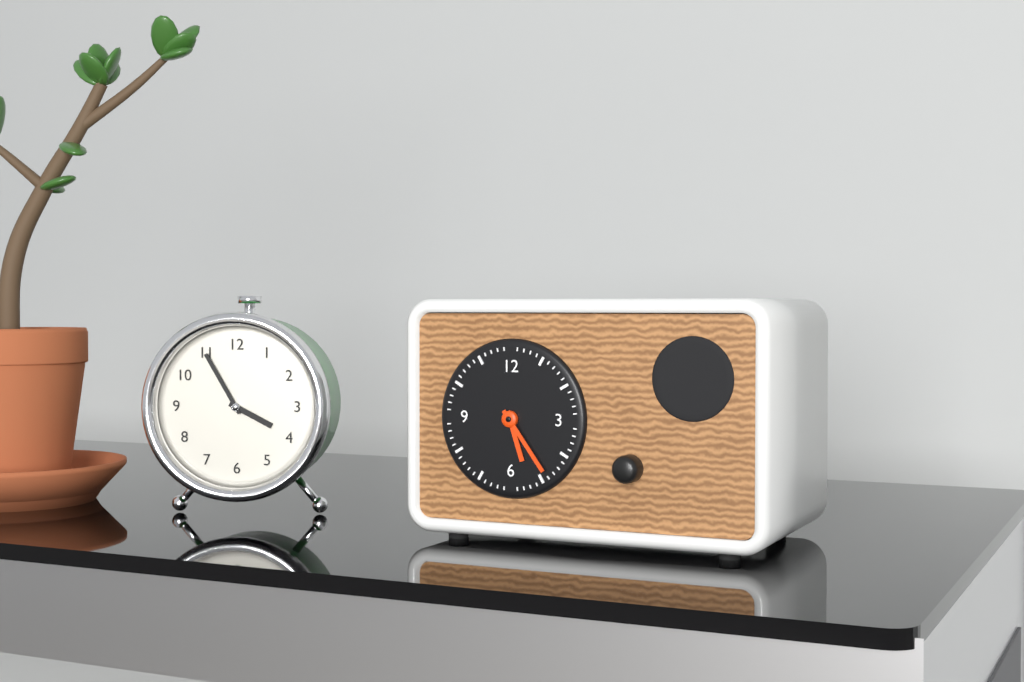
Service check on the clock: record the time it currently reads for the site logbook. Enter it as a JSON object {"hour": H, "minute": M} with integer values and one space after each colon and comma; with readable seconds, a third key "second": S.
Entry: {"hour": 5, "minute": 24}
